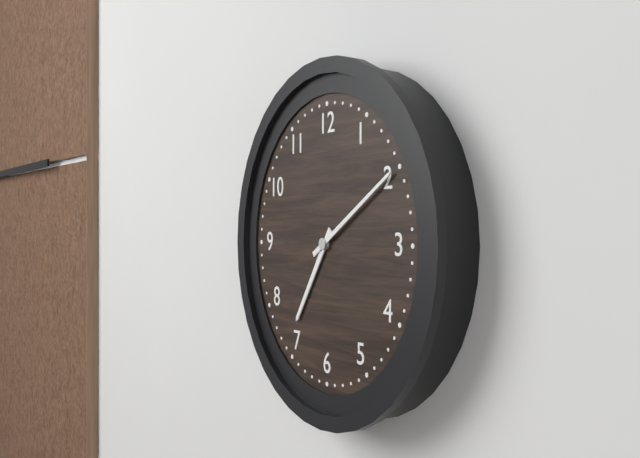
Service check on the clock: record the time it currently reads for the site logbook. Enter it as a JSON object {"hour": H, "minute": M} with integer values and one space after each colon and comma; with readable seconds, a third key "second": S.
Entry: {"hour": 7, "minute": 10}
